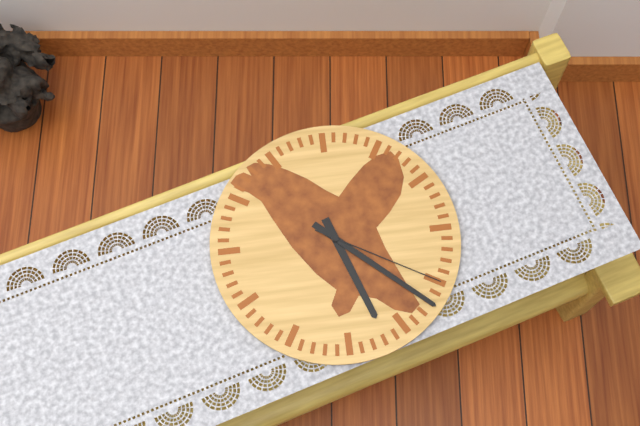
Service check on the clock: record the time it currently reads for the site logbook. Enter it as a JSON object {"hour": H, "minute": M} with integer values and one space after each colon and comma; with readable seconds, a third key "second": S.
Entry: {"hour": 5, "minute": 22, "second": 20}
